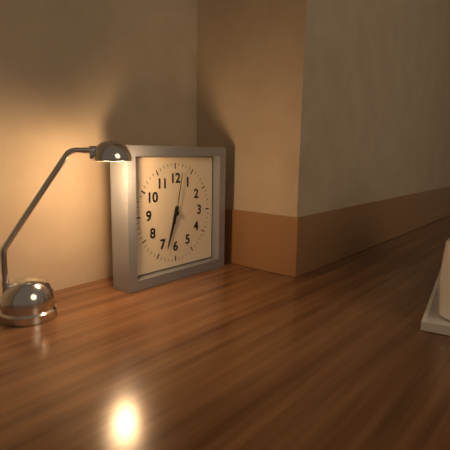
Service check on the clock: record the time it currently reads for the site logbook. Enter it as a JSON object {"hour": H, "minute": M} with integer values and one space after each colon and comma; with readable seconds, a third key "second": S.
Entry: {"hour": 6, "minute": 33, "second": 2}
